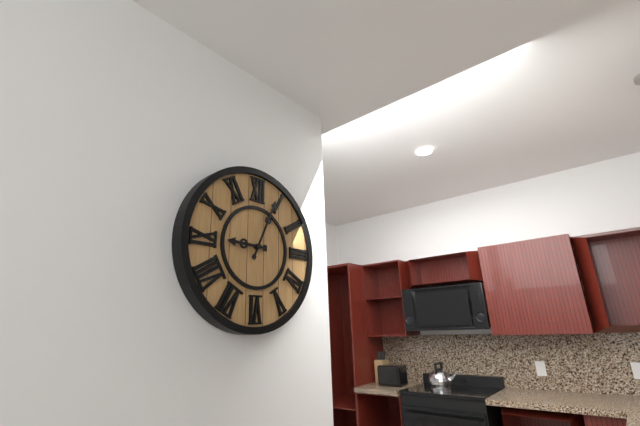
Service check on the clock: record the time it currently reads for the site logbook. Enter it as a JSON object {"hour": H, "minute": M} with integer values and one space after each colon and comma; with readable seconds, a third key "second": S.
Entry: {"hour": 9, "minute": 4}
